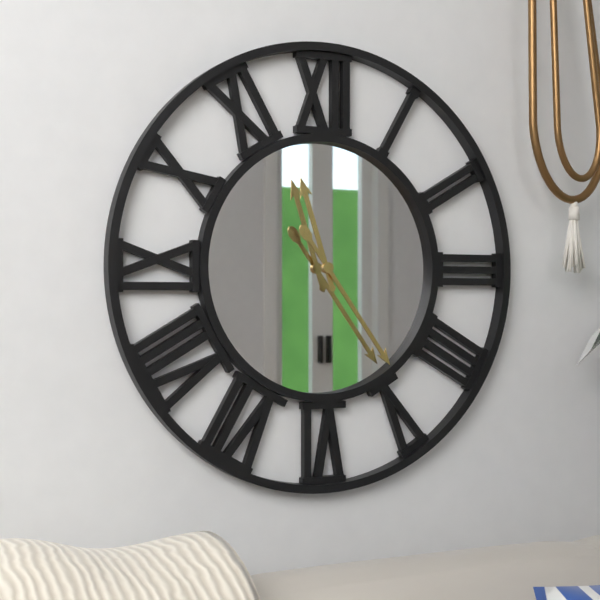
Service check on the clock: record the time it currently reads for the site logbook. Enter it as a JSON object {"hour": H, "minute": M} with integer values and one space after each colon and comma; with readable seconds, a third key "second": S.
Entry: {"hour": 11, "minute": 24}
